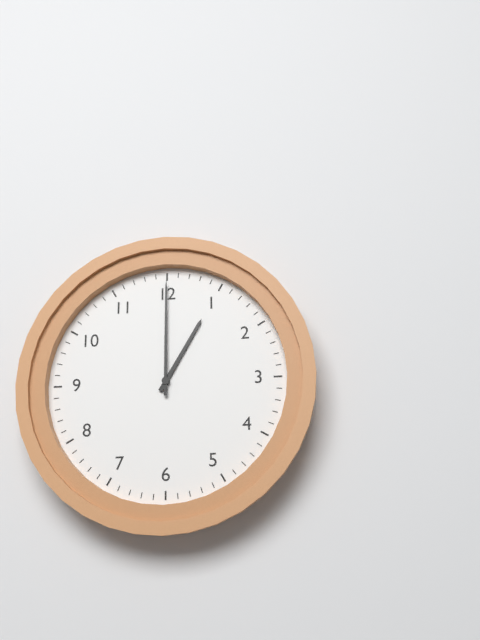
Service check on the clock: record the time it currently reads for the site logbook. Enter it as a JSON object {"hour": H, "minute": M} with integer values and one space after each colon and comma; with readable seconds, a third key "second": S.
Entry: {"hour": 1, "minute": 0}
